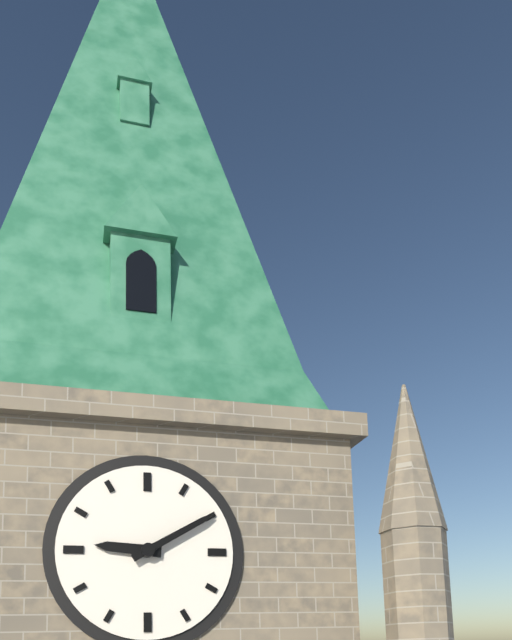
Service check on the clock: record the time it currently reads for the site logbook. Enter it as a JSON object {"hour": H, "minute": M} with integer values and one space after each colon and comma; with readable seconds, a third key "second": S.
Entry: {"hour": 9, "minute": 10}
